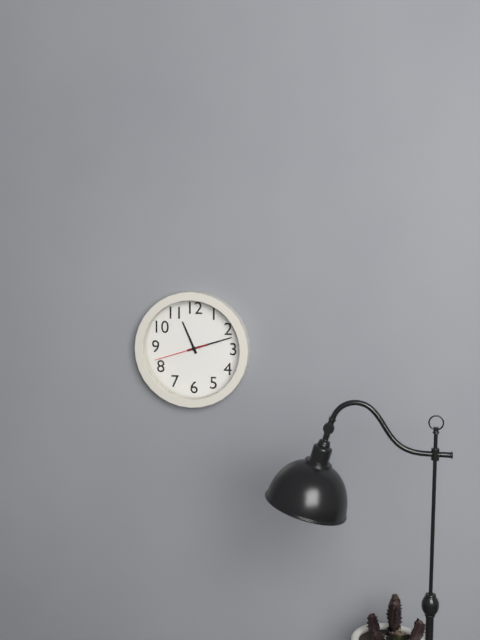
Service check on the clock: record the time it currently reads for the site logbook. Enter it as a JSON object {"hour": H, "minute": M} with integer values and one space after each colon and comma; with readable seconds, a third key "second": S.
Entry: {"hour": 11, "minute": 12, "second": 42}
